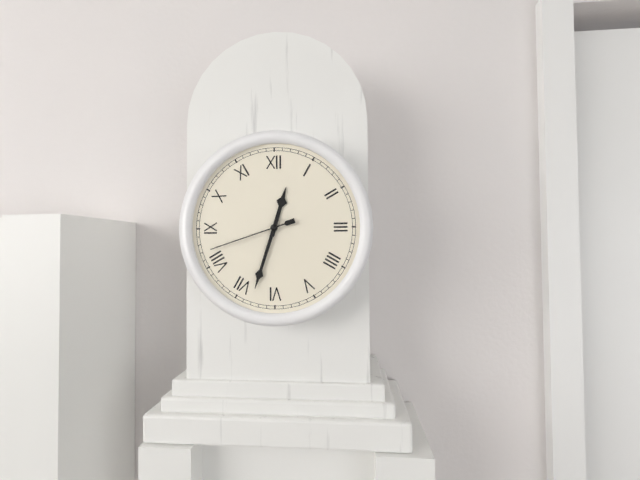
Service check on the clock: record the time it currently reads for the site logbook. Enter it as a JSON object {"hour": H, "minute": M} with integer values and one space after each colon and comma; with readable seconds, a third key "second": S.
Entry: {"hour": 12, "minute": 33, "second": 42}
